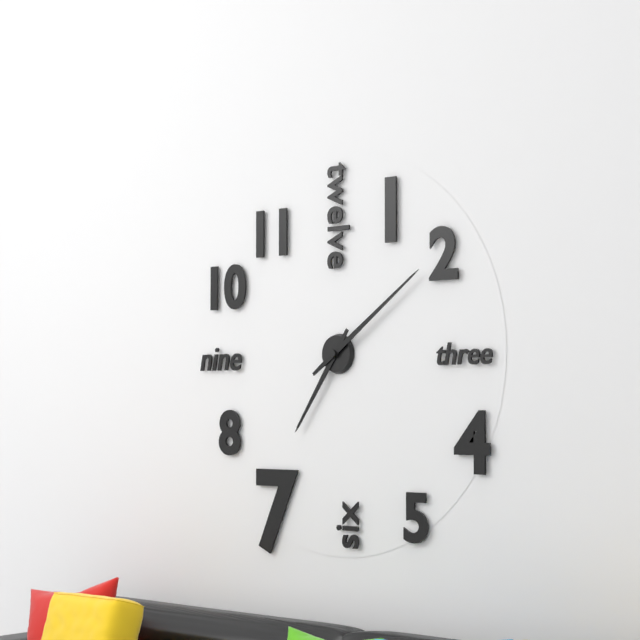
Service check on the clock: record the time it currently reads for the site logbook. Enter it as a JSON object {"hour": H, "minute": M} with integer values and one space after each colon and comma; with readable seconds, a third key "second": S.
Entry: {"hour": 7, "minute": 9}
